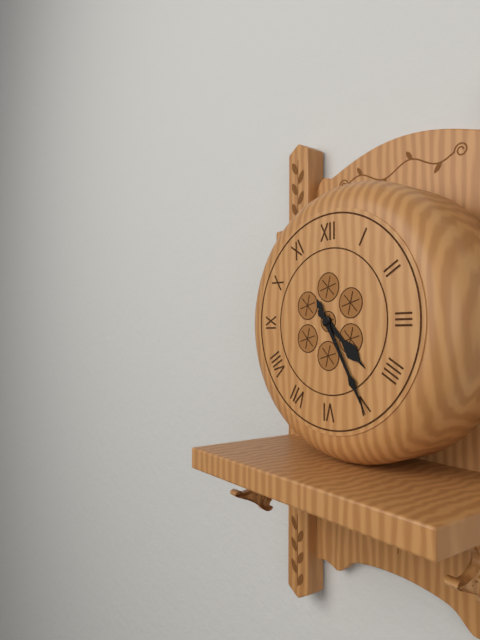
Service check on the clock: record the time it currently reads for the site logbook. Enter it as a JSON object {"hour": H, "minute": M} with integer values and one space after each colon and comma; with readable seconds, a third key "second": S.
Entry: {"hour": 4, "minute": 25}
